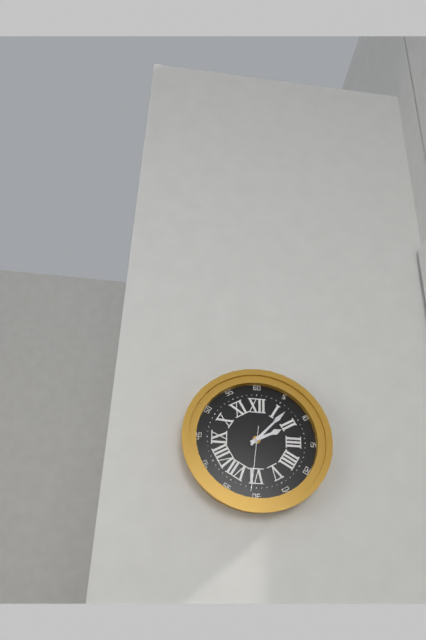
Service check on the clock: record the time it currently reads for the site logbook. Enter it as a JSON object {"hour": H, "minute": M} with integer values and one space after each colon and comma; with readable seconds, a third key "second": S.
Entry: {"hour": 2, "minute": 7, "second": 31}
